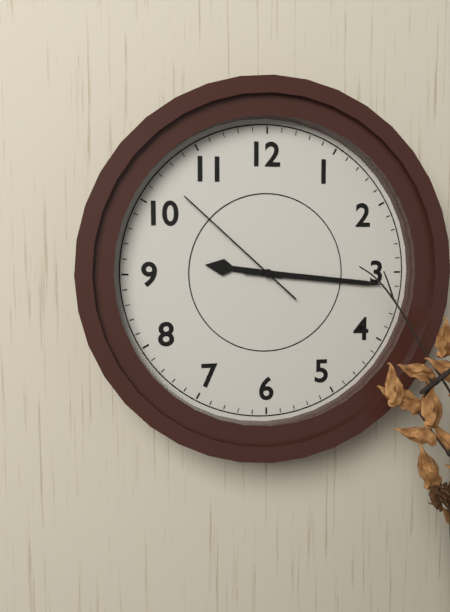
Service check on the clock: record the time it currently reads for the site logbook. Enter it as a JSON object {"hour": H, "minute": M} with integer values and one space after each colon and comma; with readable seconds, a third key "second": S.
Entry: {"hour": 9, "minute": 16, "second": 52}
